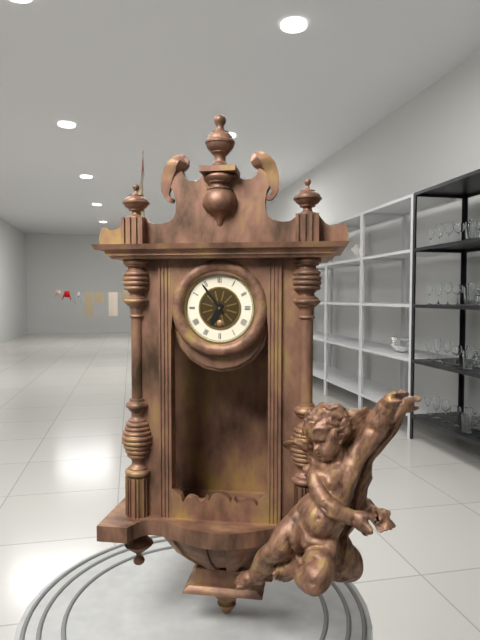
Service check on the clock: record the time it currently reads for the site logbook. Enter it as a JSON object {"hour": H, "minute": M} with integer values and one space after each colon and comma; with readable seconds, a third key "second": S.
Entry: {"hour": 6, "minute": 54}
